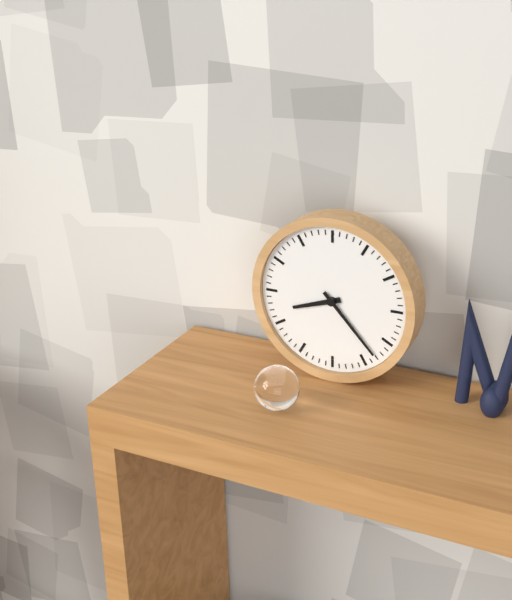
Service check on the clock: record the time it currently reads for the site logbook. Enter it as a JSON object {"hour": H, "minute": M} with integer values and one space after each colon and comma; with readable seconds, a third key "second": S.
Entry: {"hour": 8, "minute": 23}
